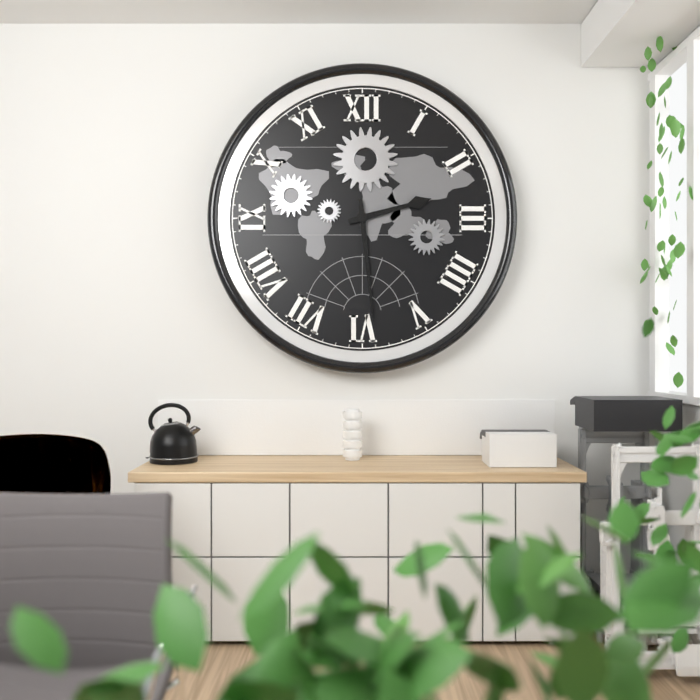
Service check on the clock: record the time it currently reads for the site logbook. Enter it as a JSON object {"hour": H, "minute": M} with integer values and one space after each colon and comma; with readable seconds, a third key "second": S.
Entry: {"hour": 2, "minute": 29}
